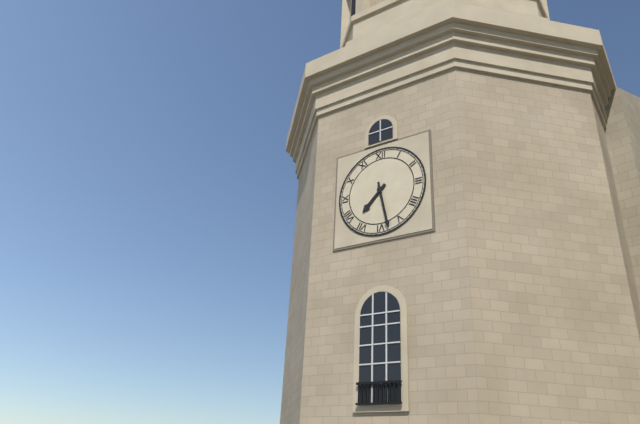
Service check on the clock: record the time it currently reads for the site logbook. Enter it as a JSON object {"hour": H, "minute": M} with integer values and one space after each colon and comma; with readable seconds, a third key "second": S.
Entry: {"hour": 7, "minute": 28}
